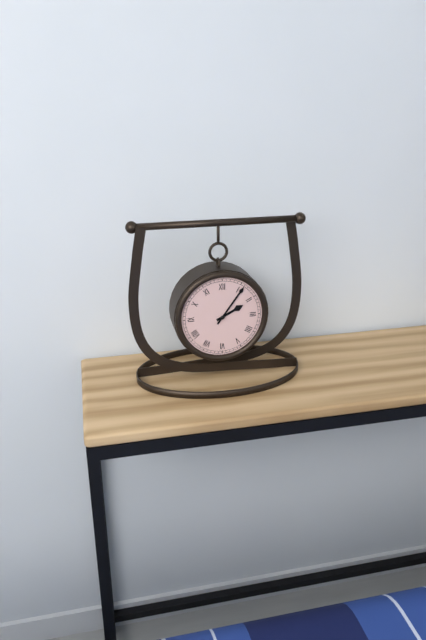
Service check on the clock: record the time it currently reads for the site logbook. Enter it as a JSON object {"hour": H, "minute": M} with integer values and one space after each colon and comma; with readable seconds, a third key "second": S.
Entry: {"hour": 2, "minute": 6}
